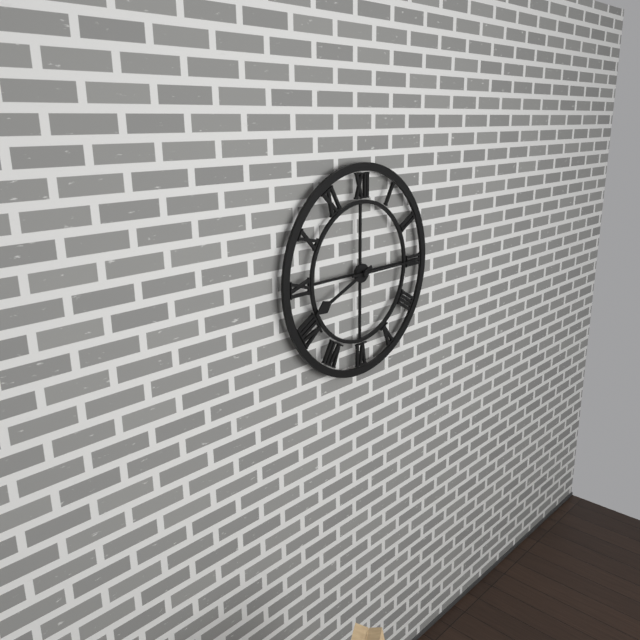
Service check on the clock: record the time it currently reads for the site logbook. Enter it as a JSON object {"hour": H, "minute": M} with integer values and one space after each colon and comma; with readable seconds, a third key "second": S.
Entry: {"hour": 8, "minute": 15}
